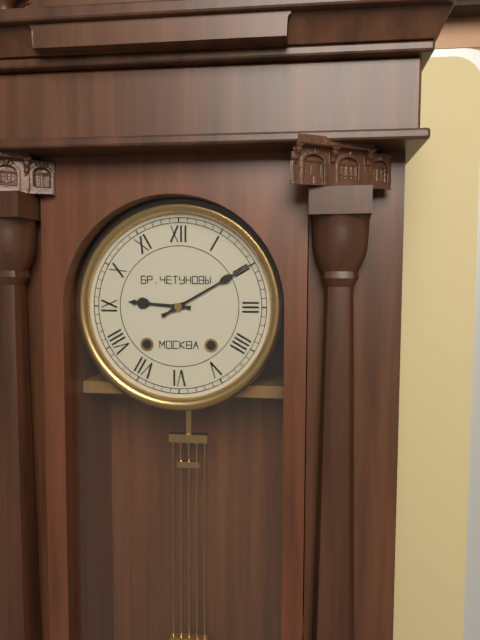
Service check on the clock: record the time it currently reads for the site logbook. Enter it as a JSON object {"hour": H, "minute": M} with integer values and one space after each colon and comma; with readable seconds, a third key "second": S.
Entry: {"hour": 9, "minute": 10}
